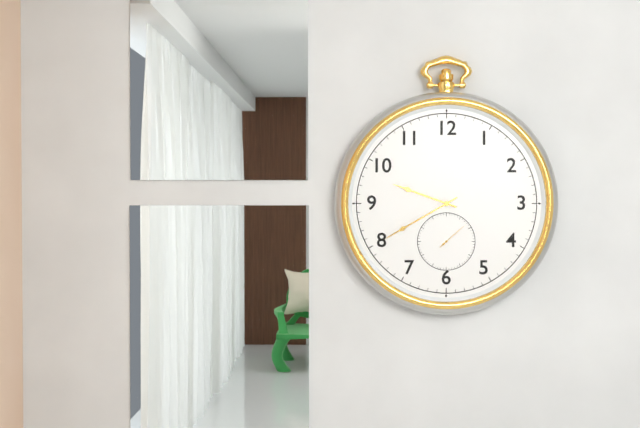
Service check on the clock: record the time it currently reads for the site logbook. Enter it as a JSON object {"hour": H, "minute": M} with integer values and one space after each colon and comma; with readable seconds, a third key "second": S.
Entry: {"hour": 9, "minute": 40}
